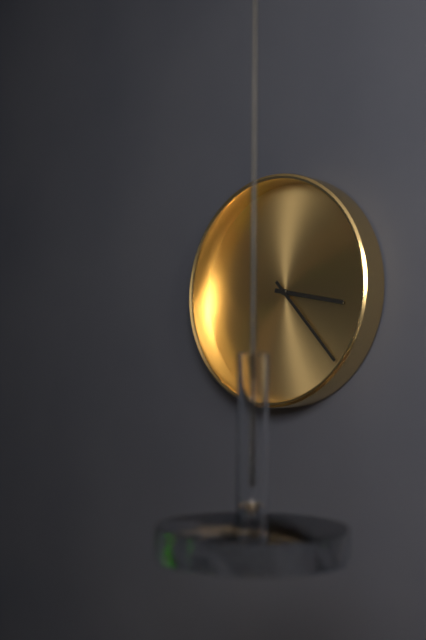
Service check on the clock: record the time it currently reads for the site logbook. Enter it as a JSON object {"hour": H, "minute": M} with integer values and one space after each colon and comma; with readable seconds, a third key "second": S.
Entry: {"hour": 3, "minute": 23}
